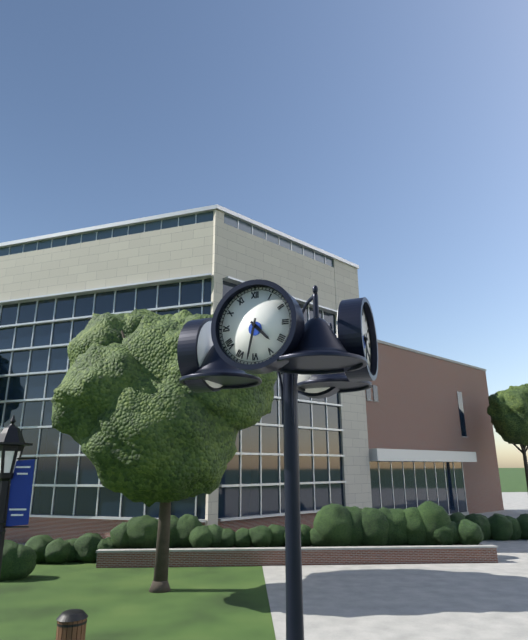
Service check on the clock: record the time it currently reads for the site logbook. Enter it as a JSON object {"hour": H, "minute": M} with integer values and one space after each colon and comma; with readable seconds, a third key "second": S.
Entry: {"hour": 4, "minute": 32}
